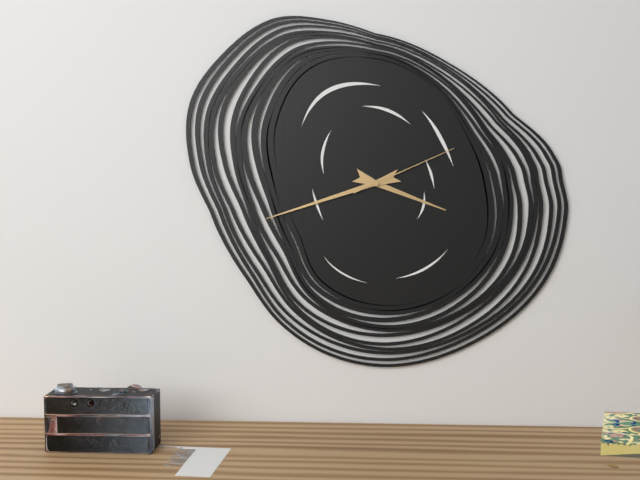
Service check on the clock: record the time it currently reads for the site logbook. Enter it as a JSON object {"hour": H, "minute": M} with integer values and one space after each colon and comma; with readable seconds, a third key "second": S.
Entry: {"hour": 3, "minute": 42, "second": 11}
